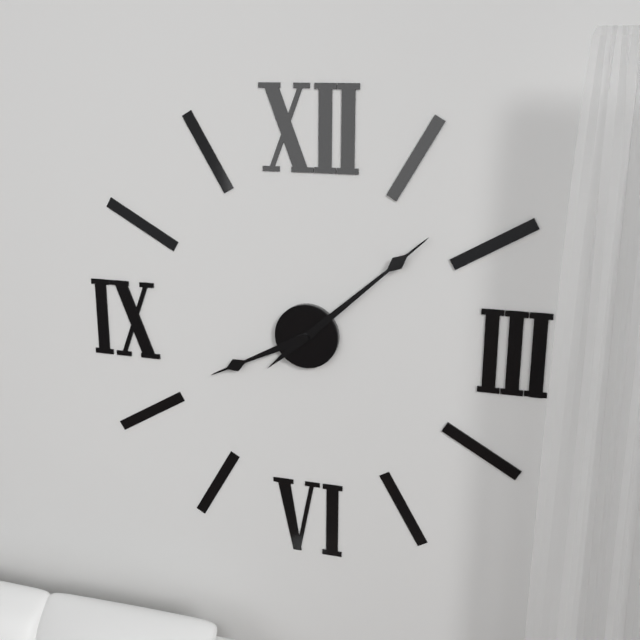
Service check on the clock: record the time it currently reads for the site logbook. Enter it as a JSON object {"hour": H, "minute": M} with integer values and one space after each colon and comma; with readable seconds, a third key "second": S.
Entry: {"hour": 8, "minute": 8}
